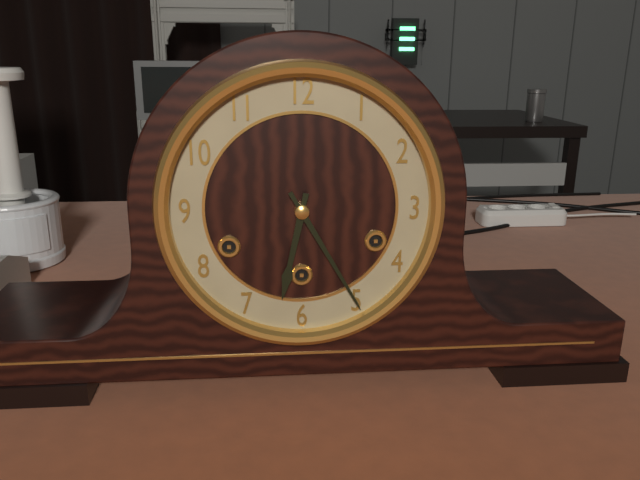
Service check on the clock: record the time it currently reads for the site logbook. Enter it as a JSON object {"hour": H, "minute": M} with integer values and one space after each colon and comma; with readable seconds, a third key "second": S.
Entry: {"hour": 6, "minute": 25}
